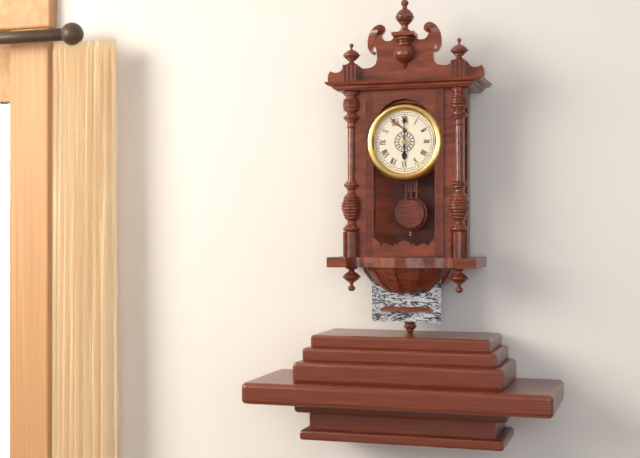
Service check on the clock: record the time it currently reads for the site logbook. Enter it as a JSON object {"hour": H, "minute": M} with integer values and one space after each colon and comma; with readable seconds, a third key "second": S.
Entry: {"hour": 6, "minute": 0}
